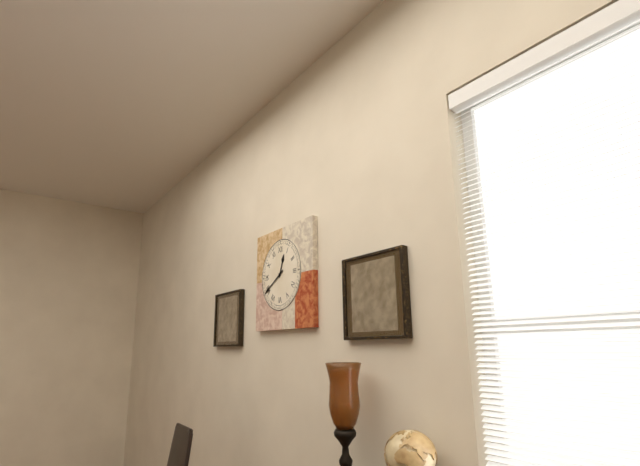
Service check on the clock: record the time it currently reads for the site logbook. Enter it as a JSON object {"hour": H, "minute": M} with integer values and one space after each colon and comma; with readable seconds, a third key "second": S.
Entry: {"hour": 12, "minute": 40}
